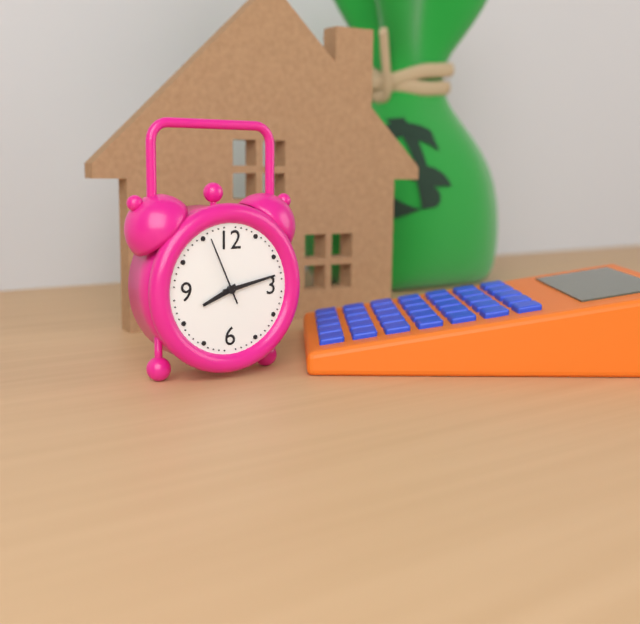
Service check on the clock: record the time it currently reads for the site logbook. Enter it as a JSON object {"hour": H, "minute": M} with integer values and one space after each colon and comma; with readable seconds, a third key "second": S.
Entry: {"hour": 8, "minute": 13, "second": 56}
